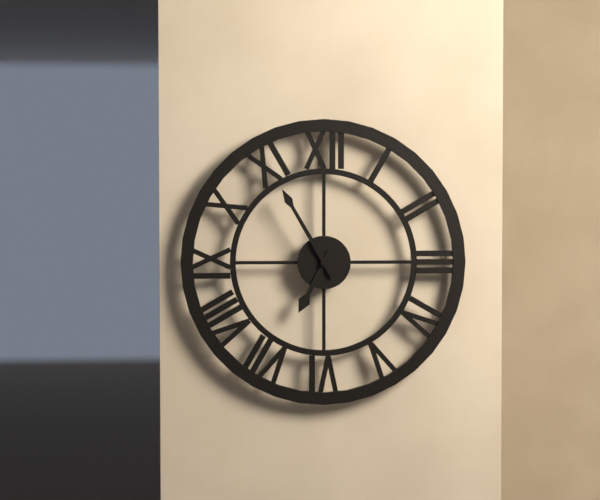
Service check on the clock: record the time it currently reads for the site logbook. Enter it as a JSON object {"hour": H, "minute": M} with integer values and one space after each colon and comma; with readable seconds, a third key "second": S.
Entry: {"hour": 6, "minute": 55}
